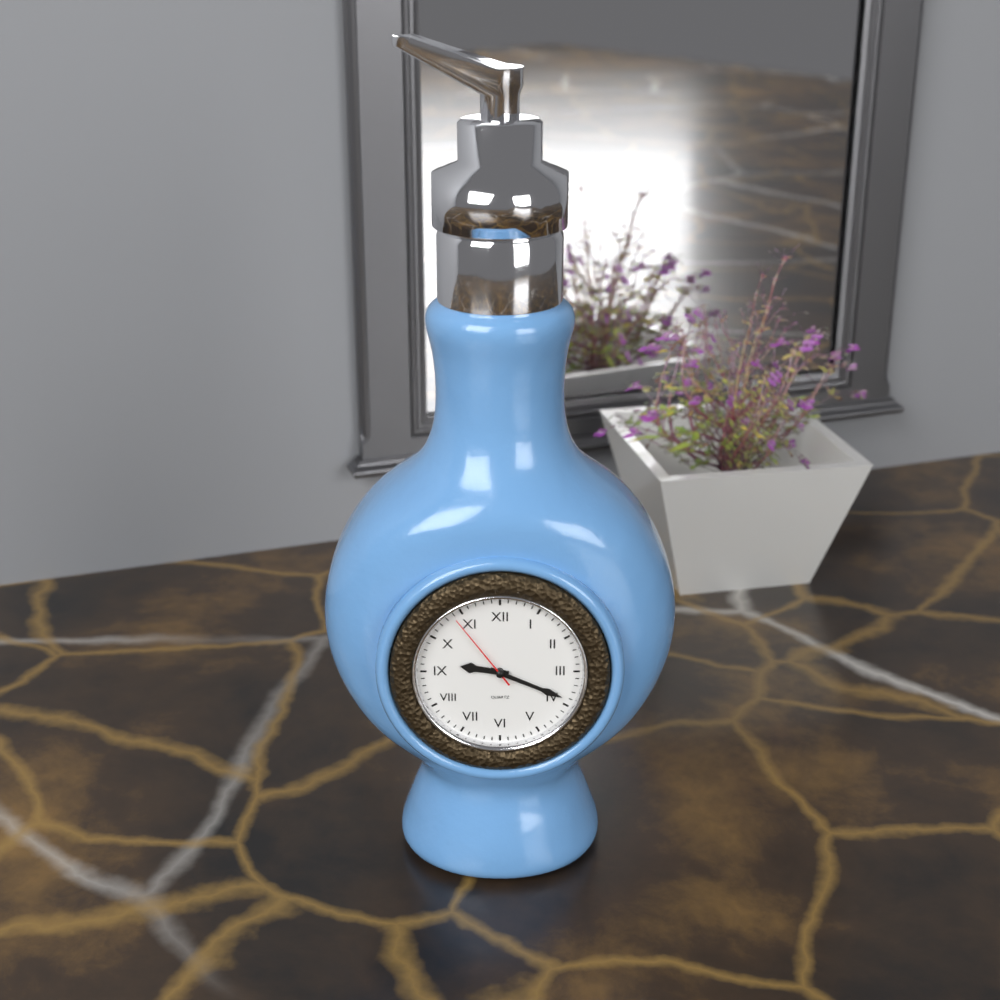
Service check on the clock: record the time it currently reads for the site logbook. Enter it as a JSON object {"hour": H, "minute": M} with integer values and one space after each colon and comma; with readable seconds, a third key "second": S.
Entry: {"hour": 9, "minute": 19, "second": 54}
